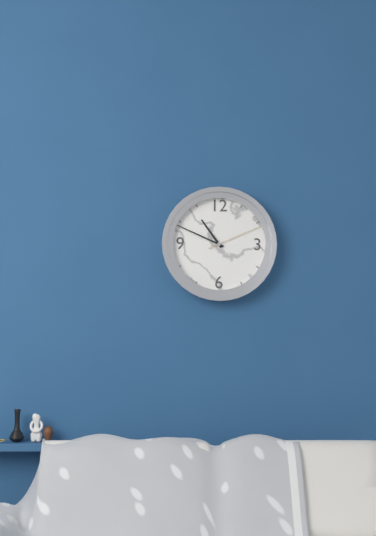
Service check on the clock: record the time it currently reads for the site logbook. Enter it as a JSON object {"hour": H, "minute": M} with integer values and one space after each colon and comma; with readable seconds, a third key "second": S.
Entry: {"hour": 10, "minute": 49, "second": 11}
